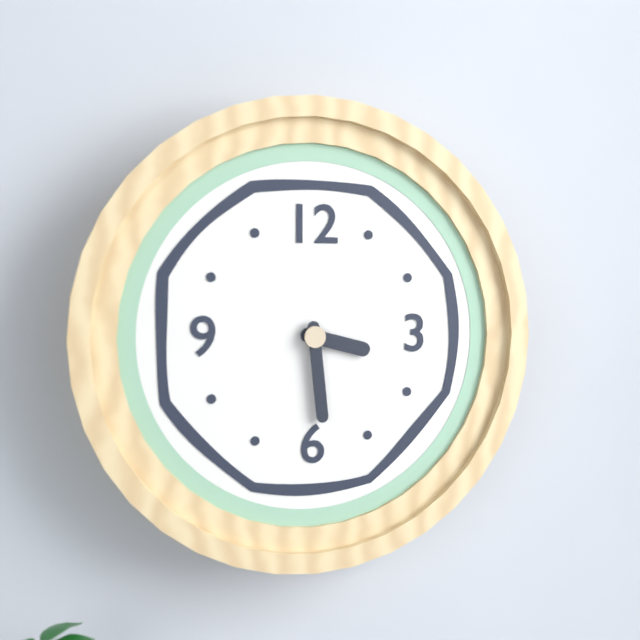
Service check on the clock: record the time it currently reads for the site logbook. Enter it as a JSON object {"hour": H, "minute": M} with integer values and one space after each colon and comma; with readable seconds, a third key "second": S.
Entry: {"hour": 3, "minute": 29}
